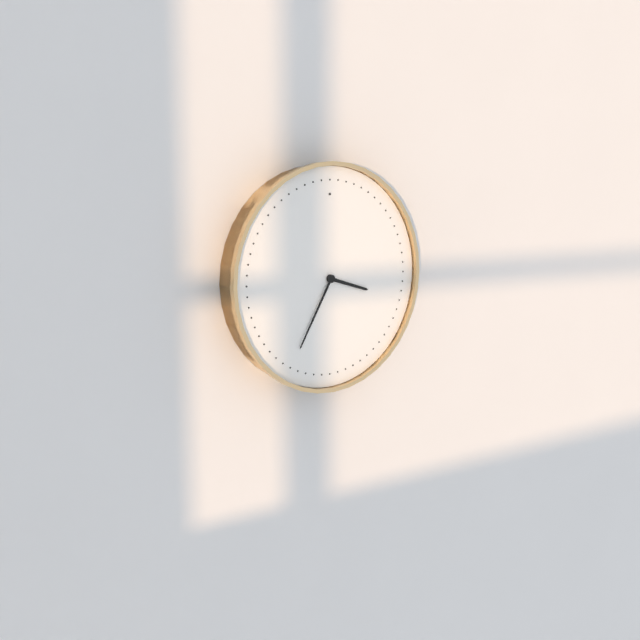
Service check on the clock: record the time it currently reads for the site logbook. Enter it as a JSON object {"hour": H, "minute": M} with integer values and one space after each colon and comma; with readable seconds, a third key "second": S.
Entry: {"hour": 3, "minute": 35}
